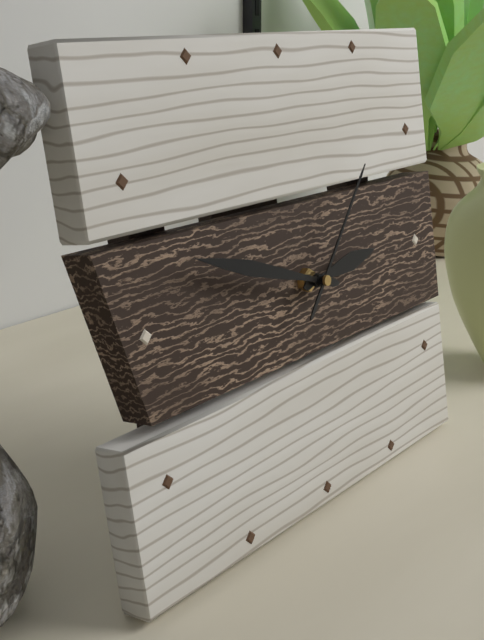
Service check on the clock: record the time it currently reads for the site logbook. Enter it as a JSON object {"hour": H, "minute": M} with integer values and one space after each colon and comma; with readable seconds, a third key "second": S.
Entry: {"hour": 2, "minute": 48, "second": 7}
